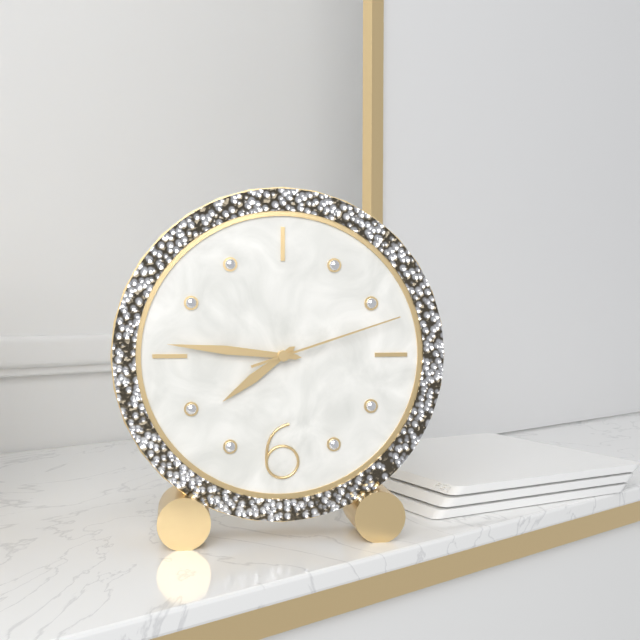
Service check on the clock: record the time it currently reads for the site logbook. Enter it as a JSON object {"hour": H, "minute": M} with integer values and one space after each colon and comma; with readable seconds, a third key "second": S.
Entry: {"hour": 7, "minute": 46, "second": 12}
